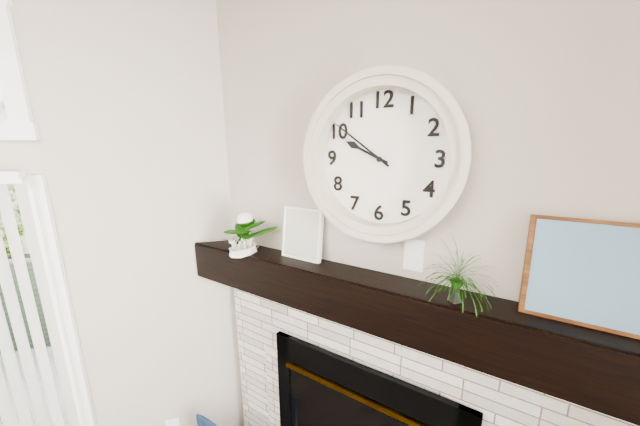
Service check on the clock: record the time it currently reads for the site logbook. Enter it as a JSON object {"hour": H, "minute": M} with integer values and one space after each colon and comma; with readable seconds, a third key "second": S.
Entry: {"hour": 9, "minute": 51}
